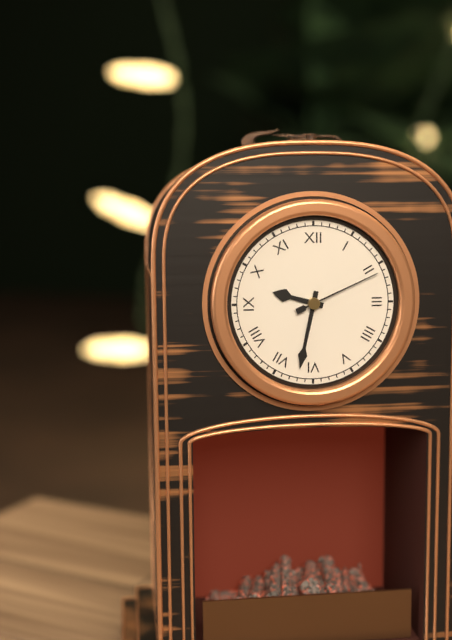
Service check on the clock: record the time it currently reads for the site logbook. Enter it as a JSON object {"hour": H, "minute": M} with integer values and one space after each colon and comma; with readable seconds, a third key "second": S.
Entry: {"hour": 9, "minute": 32, "second": 11}
